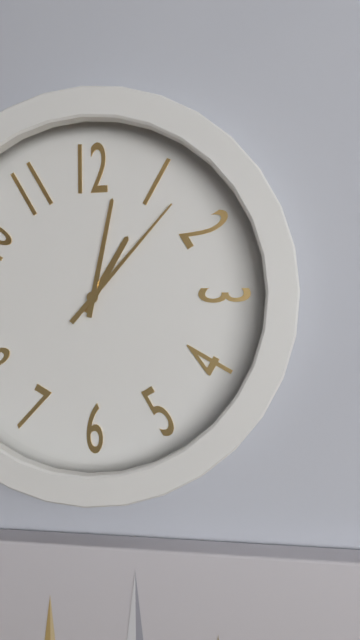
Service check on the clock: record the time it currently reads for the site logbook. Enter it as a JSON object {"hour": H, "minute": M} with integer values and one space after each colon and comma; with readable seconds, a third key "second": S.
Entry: {"hour": 1, "minute": 2, "second": 7}
